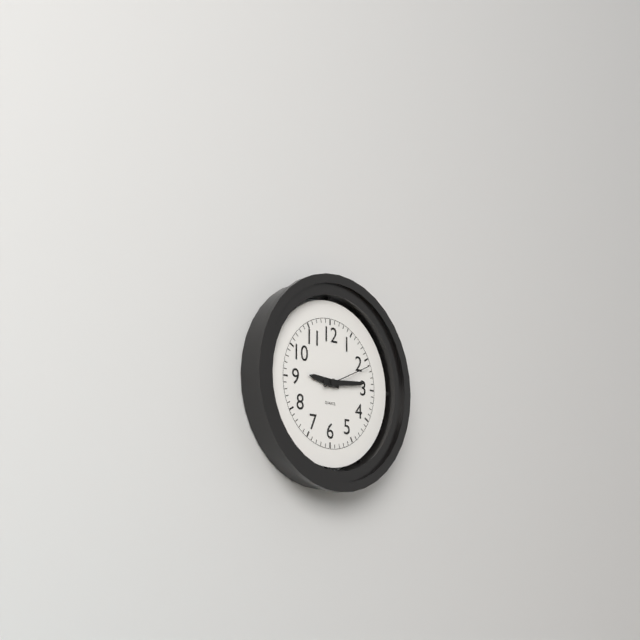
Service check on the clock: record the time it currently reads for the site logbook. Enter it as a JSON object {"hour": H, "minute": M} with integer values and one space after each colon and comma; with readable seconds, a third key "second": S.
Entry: {"hour": 9, "minute": 14}
